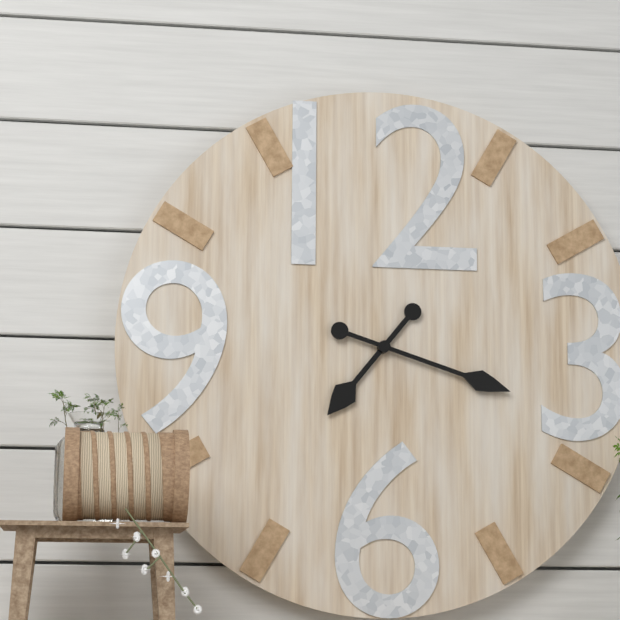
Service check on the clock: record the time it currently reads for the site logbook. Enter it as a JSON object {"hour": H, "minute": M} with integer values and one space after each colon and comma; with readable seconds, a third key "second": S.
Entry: {"hour": 7, "minute": 18}
